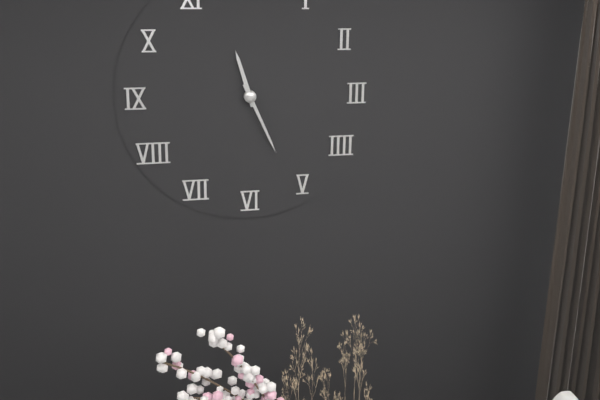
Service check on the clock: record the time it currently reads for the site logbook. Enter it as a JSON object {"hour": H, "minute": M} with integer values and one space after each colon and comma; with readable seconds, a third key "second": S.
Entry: {"hour": 11, "minute": 26}
